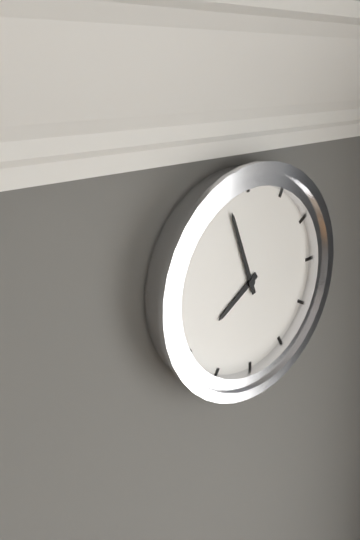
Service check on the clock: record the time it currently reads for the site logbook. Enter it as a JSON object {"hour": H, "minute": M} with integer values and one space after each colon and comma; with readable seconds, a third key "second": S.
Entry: {"hour": 7, "minute": 57}
